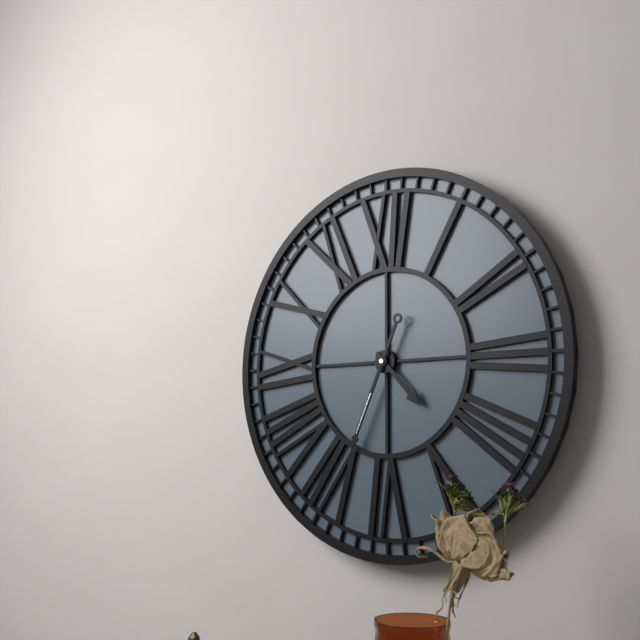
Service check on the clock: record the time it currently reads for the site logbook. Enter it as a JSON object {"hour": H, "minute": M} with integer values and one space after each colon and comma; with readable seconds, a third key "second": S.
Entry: {"hour": 4, "minute": 34}
